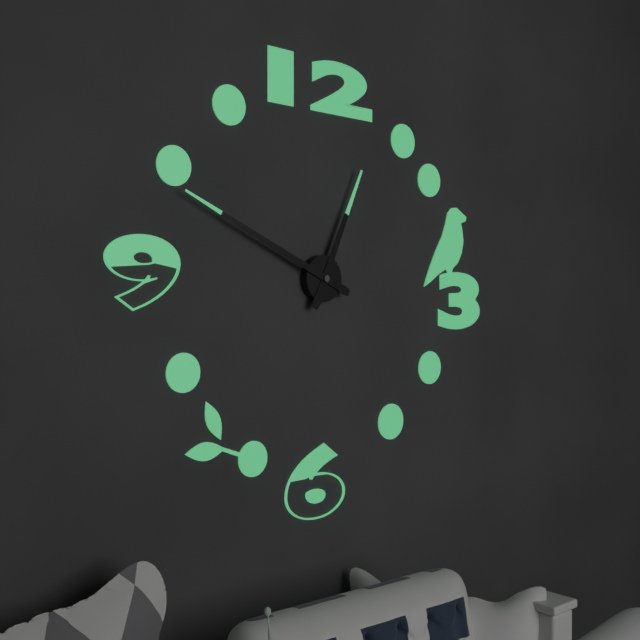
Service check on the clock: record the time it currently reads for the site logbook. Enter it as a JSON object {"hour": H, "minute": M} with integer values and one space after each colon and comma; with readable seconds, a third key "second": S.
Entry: {"hour": 12, "minute": 49}
